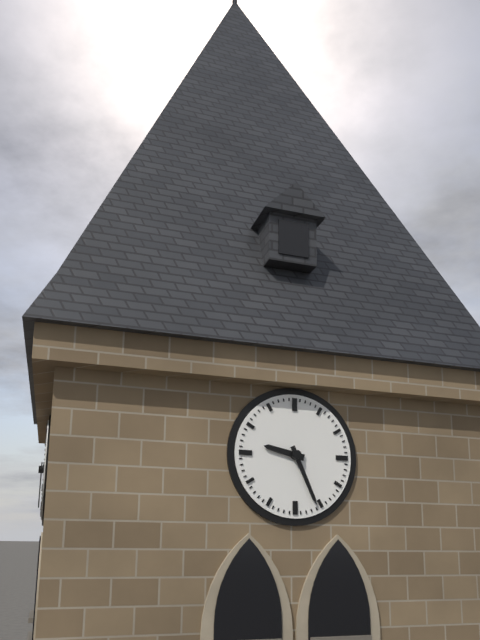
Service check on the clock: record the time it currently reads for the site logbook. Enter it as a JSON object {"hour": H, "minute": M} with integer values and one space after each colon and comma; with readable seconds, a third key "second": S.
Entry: {"hour": 9, "minute": 26}
